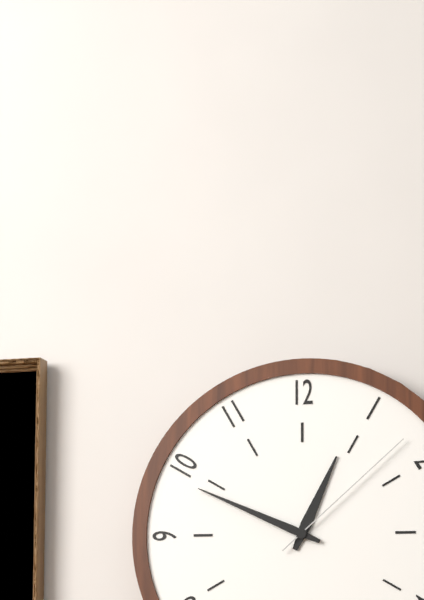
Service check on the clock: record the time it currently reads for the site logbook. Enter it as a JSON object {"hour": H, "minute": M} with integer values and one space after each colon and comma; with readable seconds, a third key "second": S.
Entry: {"hour": 12, "minute": 49, "second": 8}
